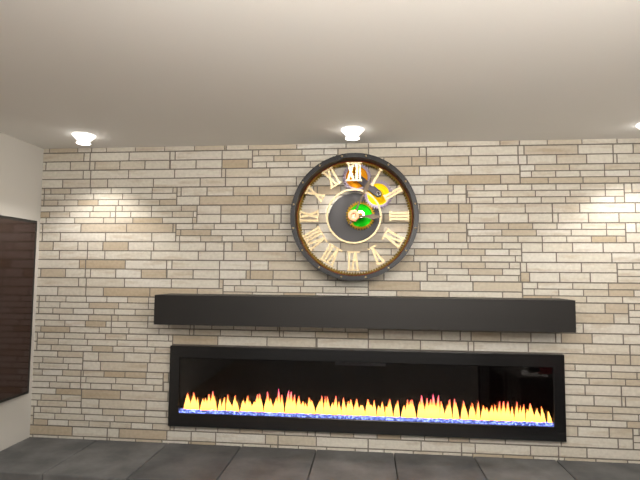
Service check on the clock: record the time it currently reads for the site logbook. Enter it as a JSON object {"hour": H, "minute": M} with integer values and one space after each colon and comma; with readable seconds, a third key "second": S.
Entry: {"hour": 3, "minute": 4}
